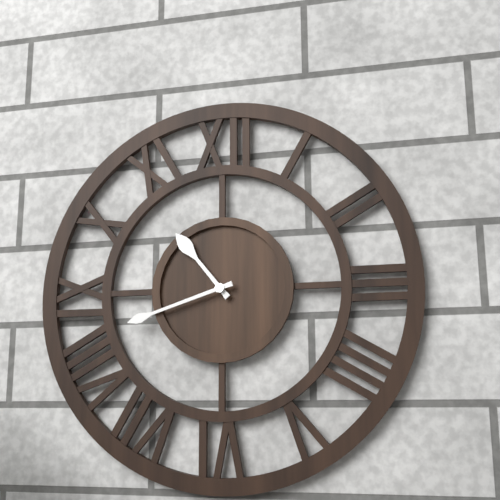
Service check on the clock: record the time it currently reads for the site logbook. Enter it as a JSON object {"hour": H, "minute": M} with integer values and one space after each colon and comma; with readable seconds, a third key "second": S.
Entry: {"hour": 10, "minute": 42}
